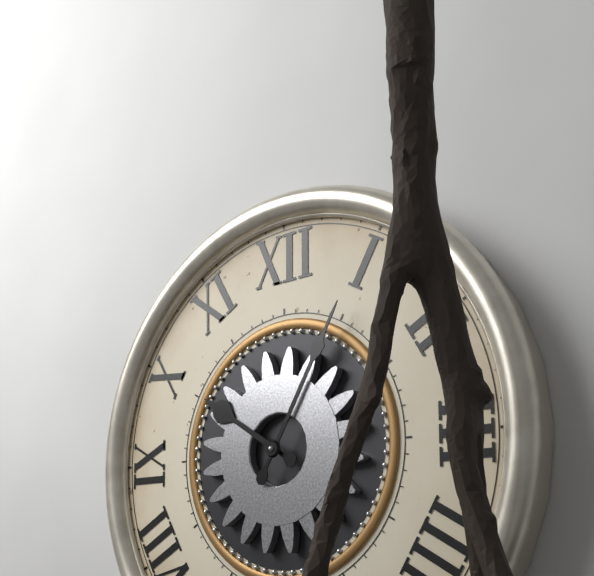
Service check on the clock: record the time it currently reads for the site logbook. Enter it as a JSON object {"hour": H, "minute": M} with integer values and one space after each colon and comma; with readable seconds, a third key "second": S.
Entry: {"hour": 10, "minute": 5}
